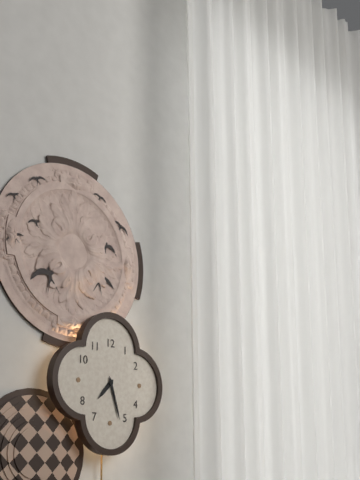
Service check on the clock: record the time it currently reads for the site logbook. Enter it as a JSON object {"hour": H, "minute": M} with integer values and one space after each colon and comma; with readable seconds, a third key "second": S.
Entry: {"hour": 7, "minute": 27}
